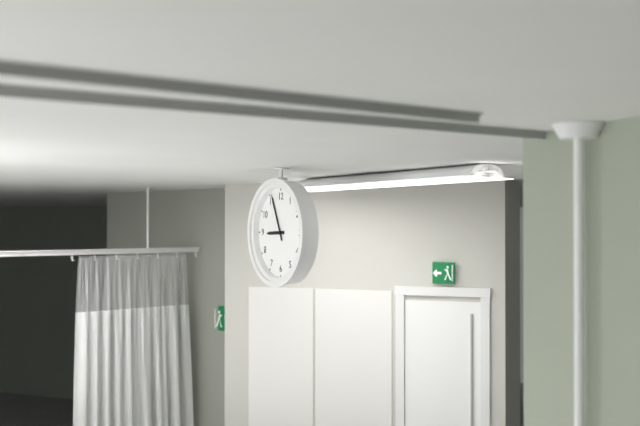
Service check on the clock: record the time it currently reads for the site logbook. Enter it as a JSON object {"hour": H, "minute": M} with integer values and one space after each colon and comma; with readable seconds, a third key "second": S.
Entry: {"hour": 8, "minute": 56}
